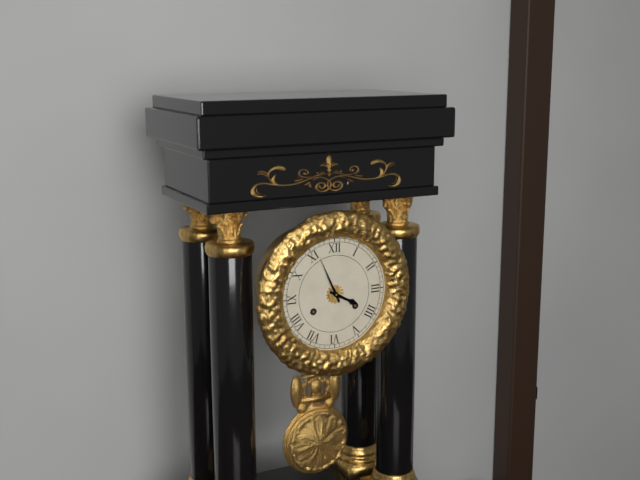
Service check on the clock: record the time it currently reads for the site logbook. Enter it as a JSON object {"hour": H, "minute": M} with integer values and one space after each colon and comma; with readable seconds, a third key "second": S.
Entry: {"hour": 3, "minute": 56}
